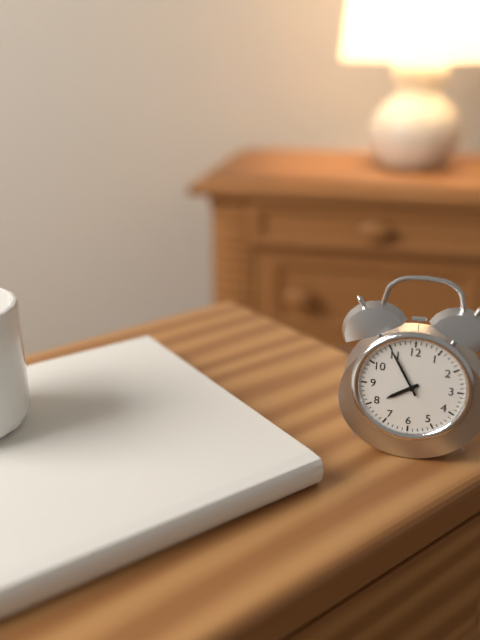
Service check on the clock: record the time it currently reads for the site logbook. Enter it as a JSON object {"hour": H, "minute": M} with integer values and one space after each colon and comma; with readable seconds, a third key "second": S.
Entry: {"hour": 7, "minute": 55}
